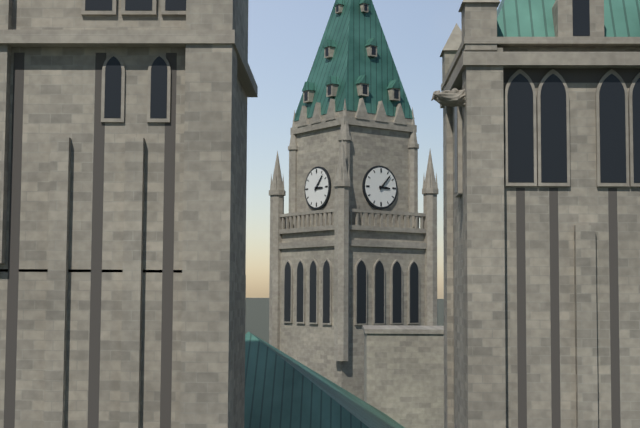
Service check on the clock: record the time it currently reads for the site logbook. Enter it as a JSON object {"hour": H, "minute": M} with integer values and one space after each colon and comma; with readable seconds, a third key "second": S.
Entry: {"hour": 3, "minute": 7}
